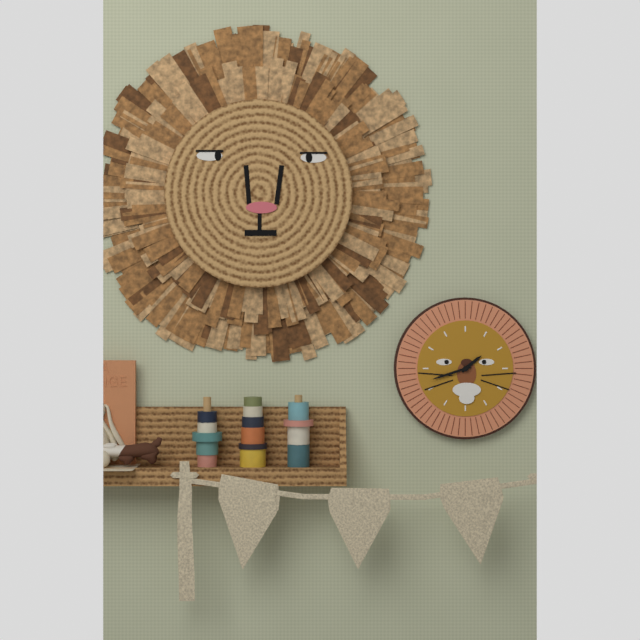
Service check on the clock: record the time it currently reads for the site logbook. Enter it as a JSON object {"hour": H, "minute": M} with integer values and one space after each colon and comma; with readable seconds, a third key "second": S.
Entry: {"hour": 1, "minute": 42}
